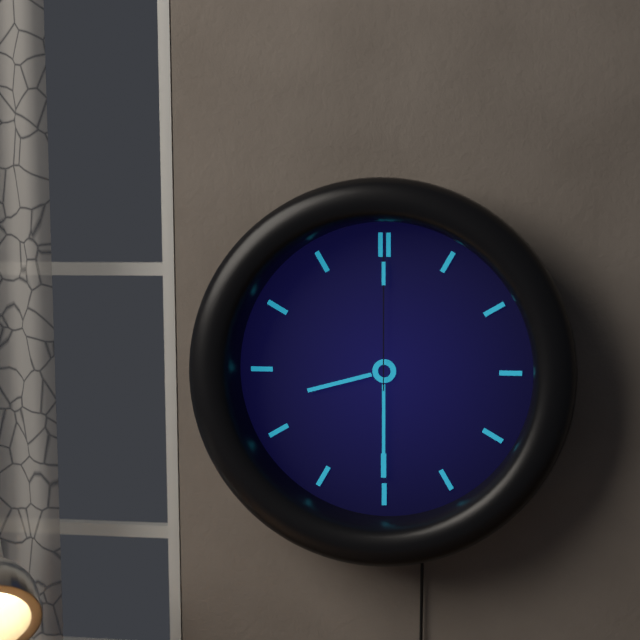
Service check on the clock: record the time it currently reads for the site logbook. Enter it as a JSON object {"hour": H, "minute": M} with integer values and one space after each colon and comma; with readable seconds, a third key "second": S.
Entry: {"hour": 8, "minute": 30, "second": 0}
